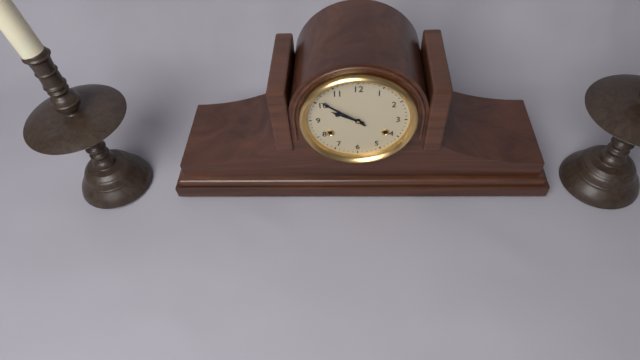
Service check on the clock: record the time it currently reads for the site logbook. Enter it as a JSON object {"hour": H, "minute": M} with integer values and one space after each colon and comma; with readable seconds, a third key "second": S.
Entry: {"hour": 9, "minute": 51}
